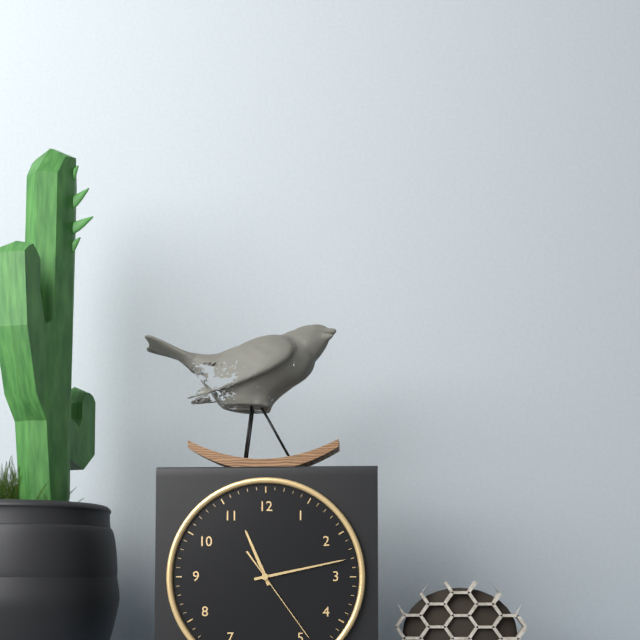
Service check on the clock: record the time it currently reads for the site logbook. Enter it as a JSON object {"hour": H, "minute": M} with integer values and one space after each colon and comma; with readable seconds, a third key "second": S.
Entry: {"hour": 11, "minute": 13, "second": 24}
